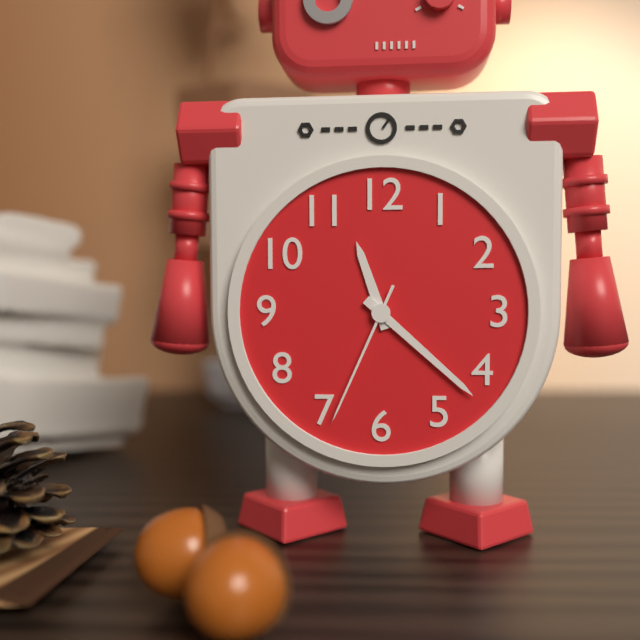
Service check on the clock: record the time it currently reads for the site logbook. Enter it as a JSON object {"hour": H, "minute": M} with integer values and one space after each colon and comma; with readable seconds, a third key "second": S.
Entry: {"hour": 11, "minute": 22, "second": 34}
